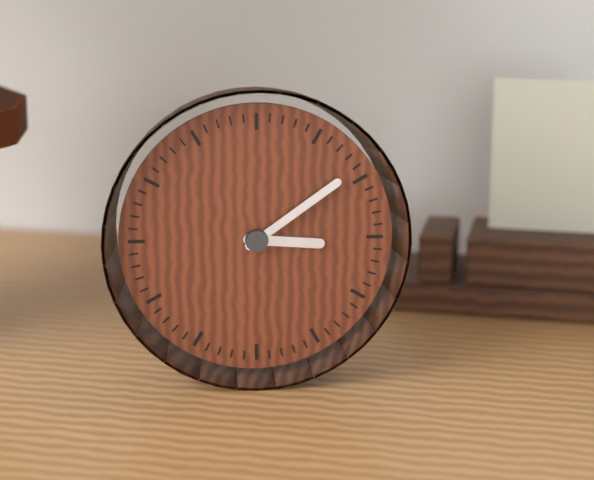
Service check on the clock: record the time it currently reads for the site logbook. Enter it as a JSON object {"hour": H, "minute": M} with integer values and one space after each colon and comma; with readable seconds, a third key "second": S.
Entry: {"hour": 3, "minute": 9}
